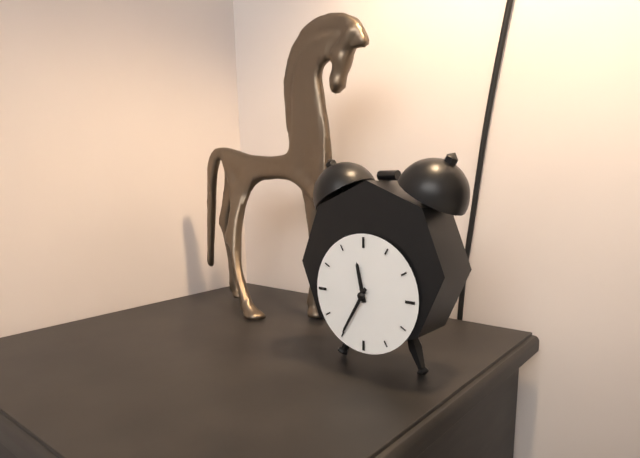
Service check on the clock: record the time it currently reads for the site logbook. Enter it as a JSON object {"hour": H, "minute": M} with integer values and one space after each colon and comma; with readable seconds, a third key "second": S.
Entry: {"hour": 11, "minute": 35}
